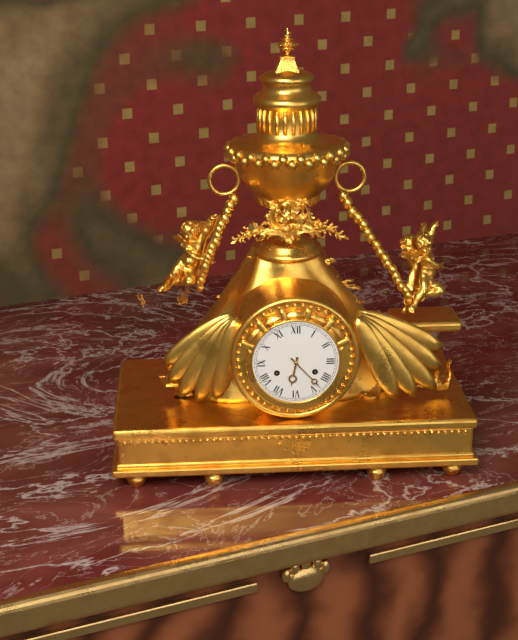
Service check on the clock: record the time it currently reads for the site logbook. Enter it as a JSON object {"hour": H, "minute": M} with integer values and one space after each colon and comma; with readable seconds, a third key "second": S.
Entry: {"hour": 6, "minute": 23}
